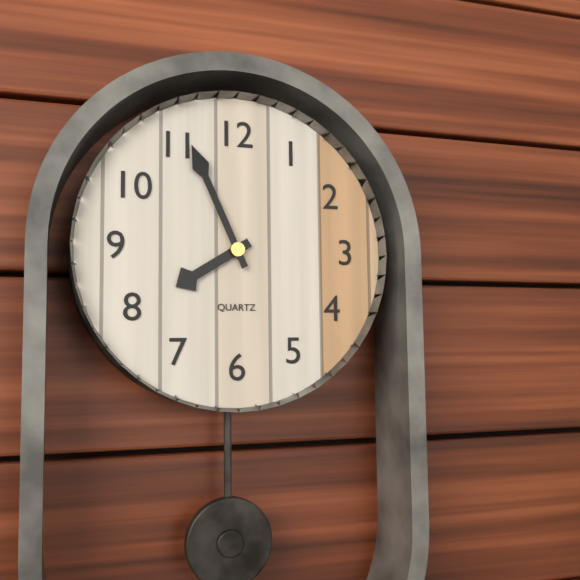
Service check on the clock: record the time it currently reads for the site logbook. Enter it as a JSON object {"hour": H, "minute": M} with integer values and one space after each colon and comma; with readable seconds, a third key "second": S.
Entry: {"hour": 7, "minute": 56}
